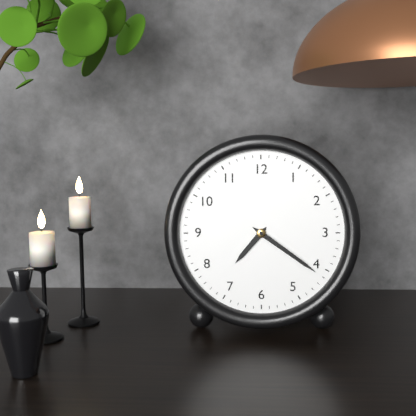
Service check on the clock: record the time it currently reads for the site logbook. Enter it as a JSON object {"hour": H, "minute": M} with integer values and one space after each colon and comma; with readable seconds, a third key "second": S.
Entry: {"hour": 7, "minute": 21}
